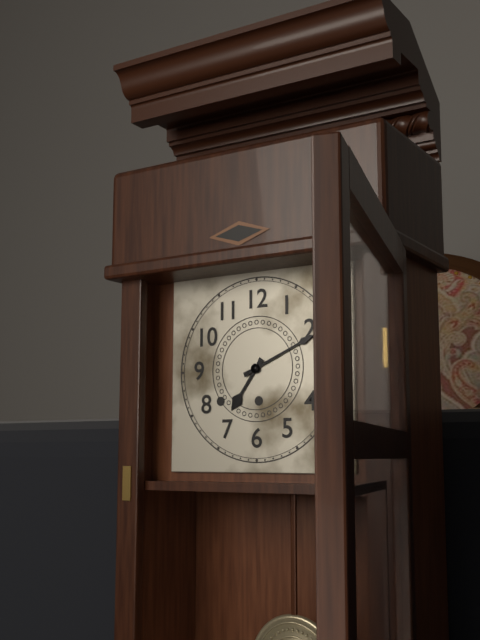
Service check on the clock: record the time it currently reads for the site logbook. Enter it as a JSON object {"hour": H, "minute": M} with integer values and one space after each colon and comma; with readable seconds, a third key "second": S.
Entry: {"hour": 7, "minute": 11}
